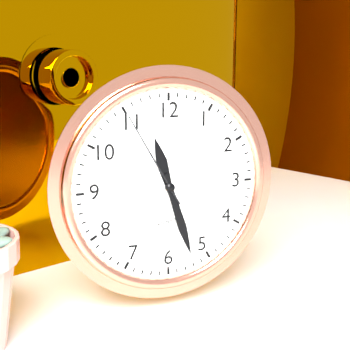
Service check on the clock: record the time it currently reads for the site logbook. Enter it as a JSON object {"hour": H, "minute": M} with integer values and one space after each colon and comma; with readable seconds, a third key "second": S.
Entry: {"hour": 11, "minute": 27, "second": 55}
